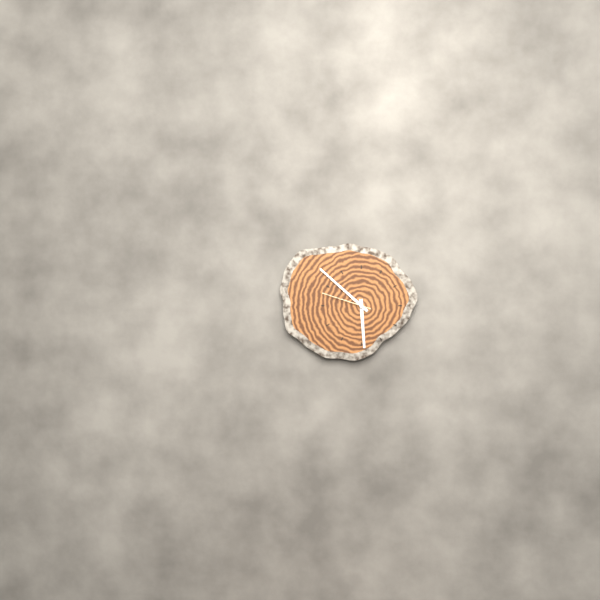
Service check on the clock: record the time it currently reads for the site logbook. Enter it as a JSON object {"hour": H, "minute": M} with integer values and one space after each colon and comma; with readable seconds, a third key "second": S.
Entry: {"hour": 5, "minute": 52, "second": 48}
